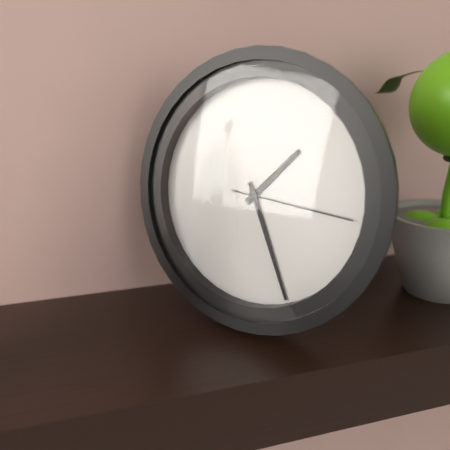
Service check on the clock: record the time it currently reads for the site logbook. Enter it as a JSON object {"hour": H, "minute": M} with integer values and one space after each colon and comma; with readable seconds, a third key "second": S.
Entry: {"hour": 1, "minute": 26, "second": 16}
